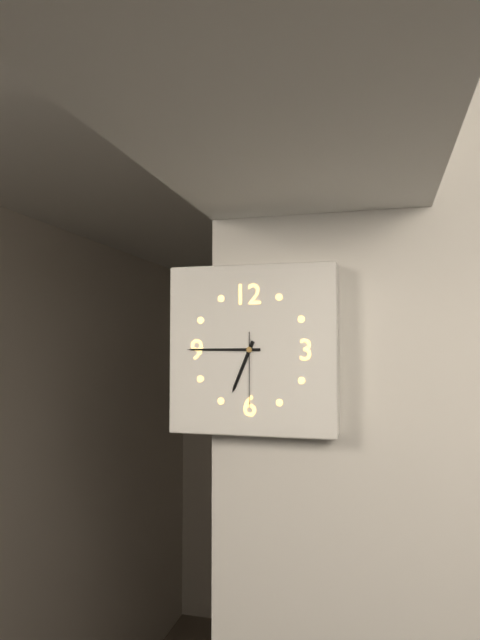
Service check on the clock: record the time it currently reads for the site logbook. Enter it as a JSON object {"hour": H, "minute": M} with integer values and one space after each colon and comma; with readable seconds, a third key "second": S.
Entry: {"hour": 6, "minute": 45, "second": 30}
